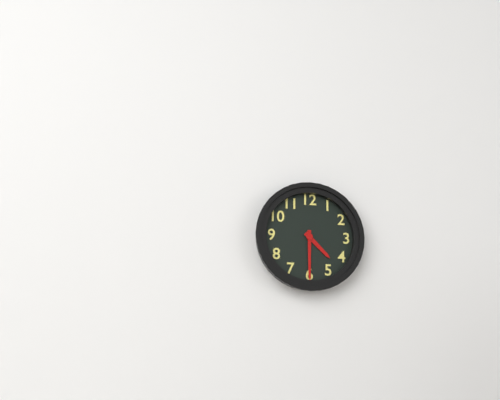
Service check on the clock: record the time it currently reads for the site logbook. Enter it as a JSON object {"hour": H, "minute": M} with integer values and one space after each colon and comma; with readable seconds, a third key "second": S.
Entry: {"hour": 4, "minute": 30}
